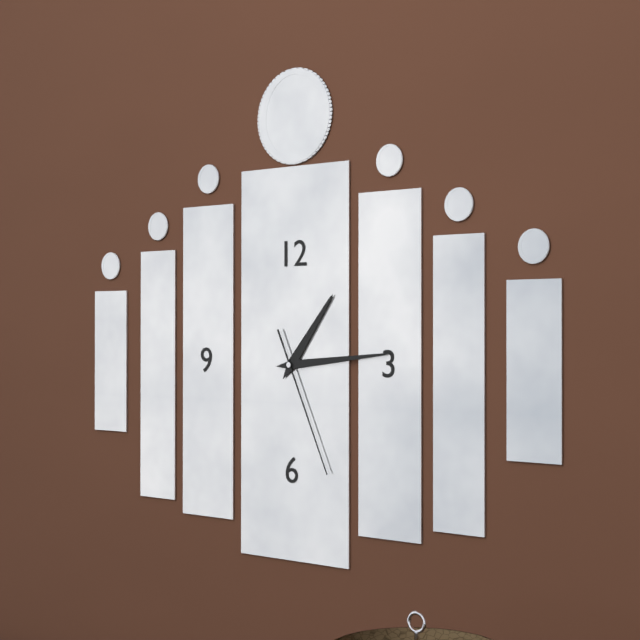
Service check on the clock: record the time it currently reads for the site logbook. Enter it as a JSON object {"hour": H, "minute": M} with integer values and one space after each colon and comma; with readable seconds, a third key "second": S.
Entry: {"hour": 1, "minute": 14, "second": 26}
